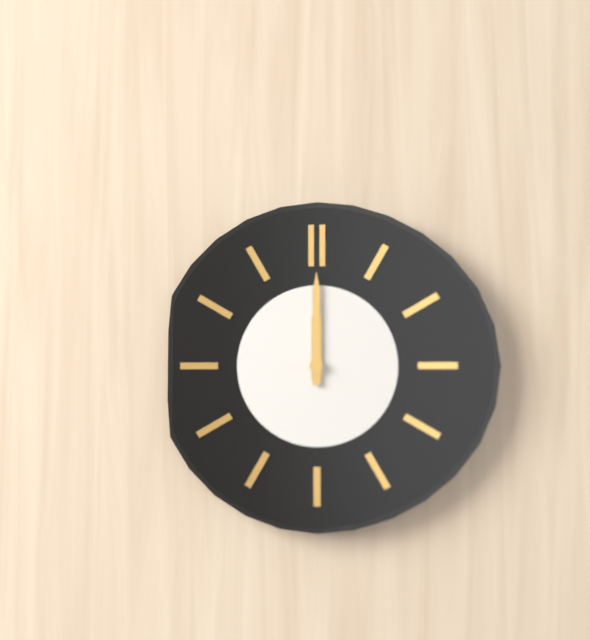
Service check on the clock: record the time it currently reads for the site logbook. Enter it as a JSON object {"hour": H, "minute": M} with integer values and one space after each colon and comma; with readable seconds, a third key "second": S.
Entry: {"hour": 12, "minute": 0}
